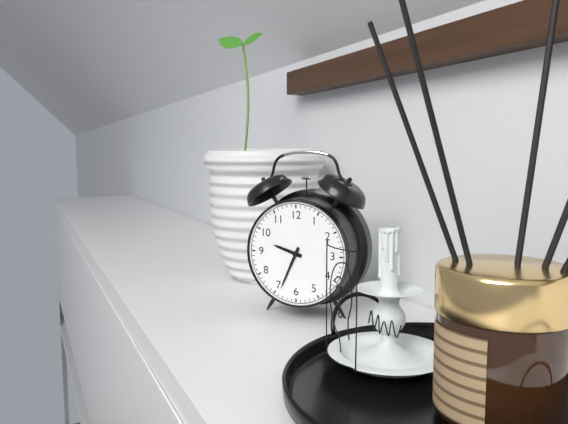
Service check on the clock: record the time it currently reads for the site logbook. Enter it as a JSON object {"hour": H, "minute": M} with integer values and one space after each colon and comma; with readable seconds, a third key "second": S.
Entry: {"hour": 9, "minute": 34}
